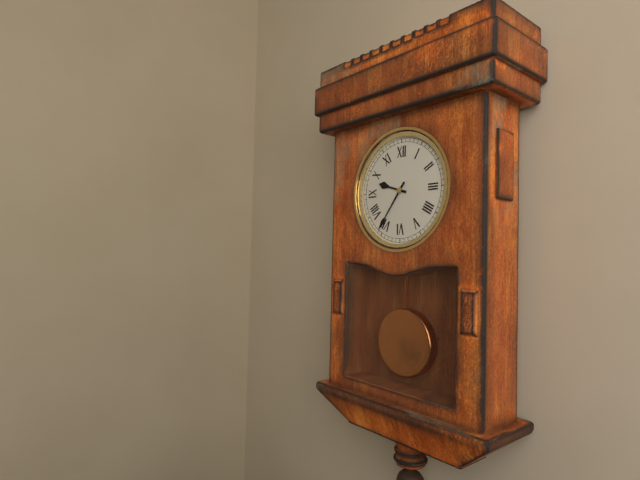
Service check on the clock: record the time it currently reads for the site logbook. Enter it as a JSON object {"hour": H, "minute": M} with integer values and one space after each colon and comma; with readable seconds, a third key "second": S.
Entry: {"hour": 9, "minute": 36}
